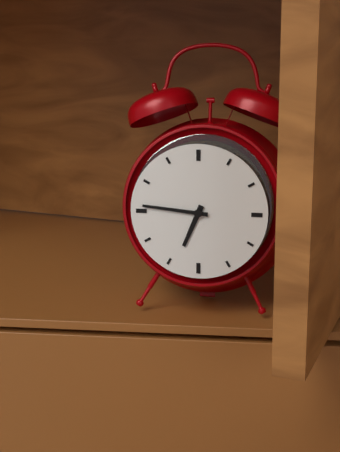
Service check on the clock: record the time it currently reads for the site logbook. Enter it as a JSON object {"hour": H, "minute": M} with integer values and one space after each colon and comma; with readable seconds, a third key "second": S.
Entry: {"hour": 6, "minute": 46}
